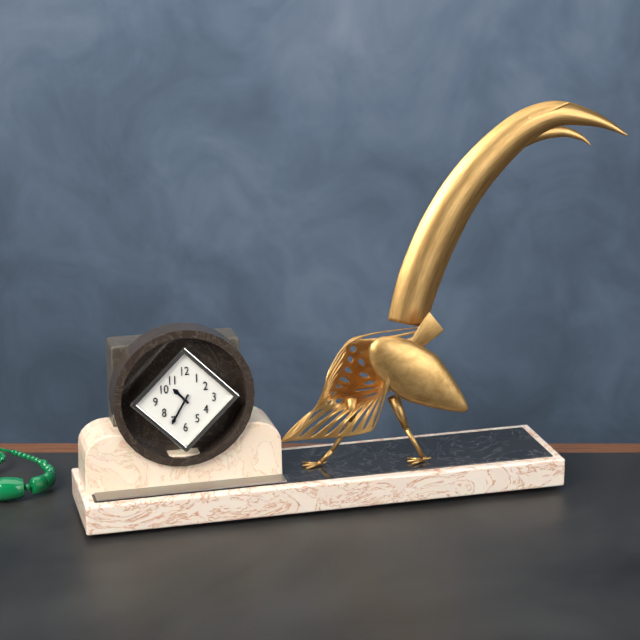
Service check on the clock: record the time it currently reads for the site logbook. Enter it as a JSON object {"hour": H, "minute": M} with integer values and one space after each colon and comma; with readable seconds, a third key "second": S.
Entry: {"hour": 10, "minute": 35}
